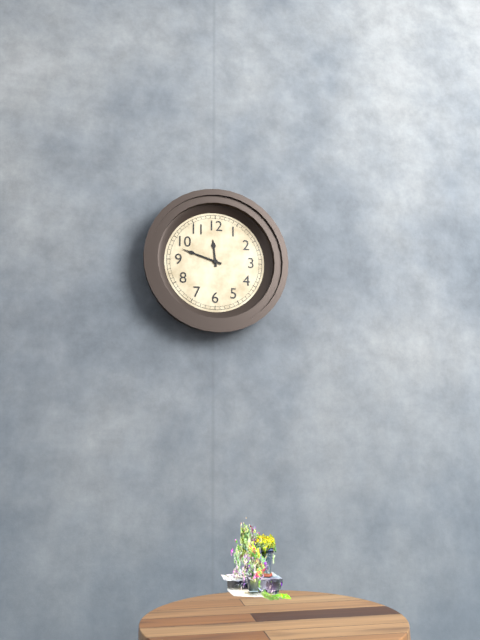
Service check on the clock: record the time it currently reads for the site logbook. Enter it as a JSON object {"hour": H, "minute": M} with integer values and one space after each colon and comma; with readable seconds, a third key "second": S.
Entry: {"hour": 11, "minute": 48}
